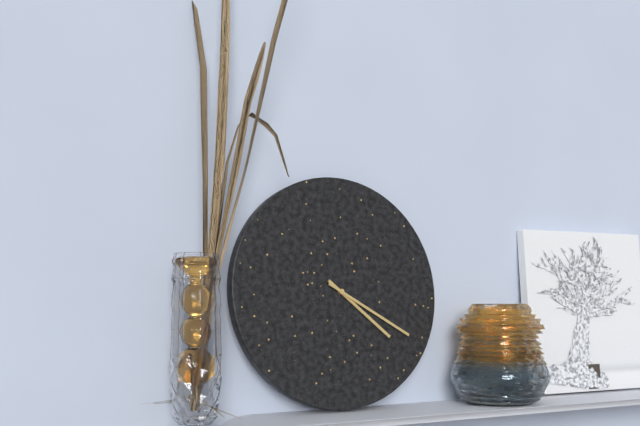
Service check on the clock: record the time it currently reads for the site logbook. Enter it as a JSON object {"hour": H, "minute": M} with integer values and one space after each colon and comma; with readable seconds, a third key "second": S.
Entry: {"hour": 4, "minute": 20}
